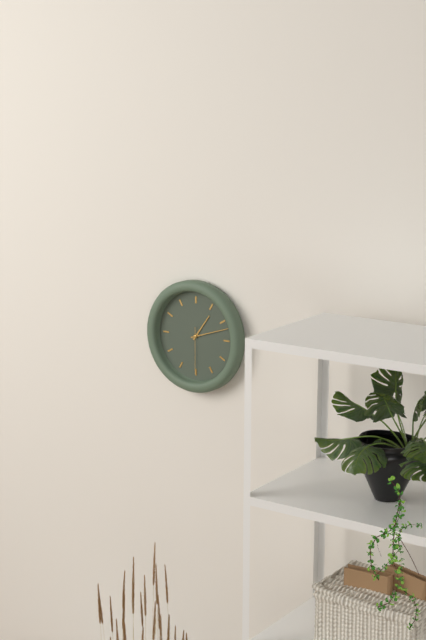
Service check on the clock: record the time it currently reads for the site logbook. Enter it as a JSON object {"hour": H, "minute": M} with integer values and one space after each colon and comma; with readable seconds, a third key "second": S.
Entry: {"hour": 1, "minute": 12}
